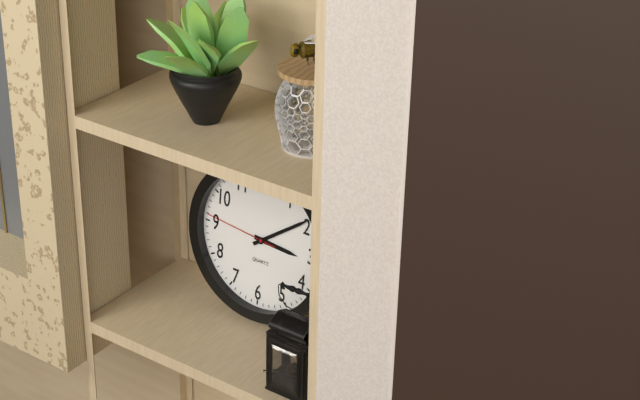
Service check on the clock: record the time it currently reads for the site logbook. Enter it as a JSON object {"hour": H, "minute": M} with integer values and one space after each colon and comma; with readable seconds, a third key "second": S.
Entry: {"hour": 3, "minute": 9, "second": 46}
